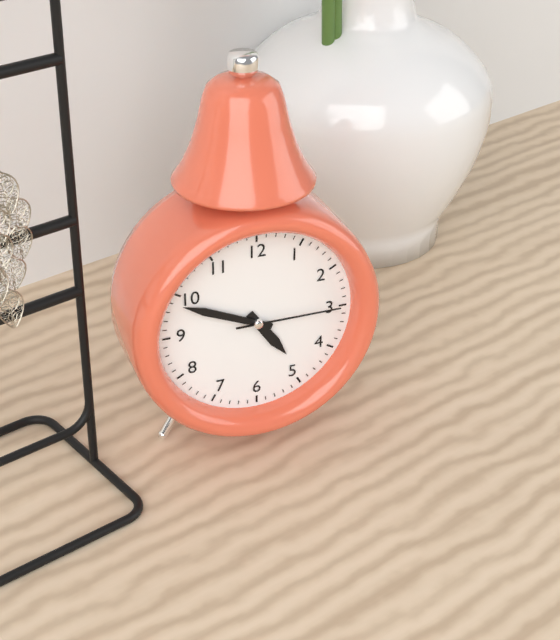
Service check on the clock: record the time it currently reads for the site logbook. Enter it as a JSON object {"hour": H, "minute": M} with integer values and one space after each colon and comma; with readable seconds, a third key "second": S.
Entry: {"hour": 4, "minute": 49, "second": 15}
